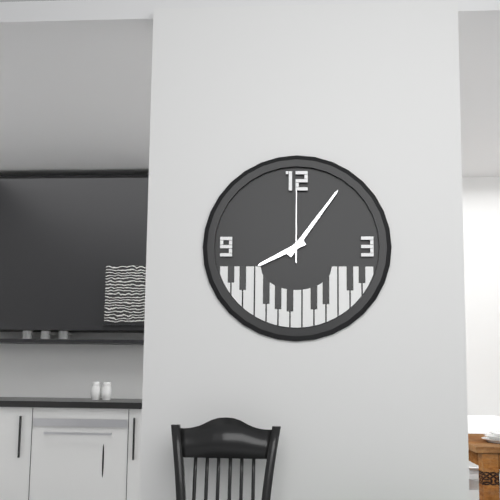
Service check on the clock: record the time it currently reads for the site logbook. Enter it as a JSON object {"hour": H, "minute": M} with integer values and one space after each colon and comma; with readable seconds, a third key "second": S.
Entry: {"hour": 8, "minute": 6, "second": 0}
